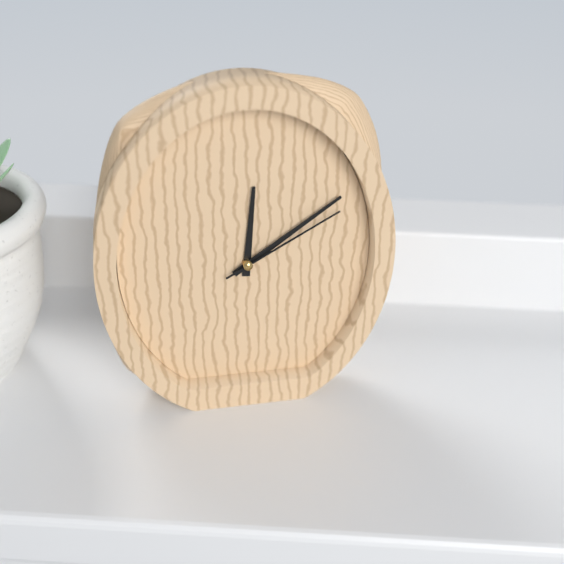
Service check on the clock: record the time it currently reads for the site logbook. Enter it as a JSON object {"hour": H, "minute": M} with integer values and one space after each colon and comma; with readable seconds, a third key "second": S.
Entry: {"hour": 12, "minute": 9, "second": 10}
